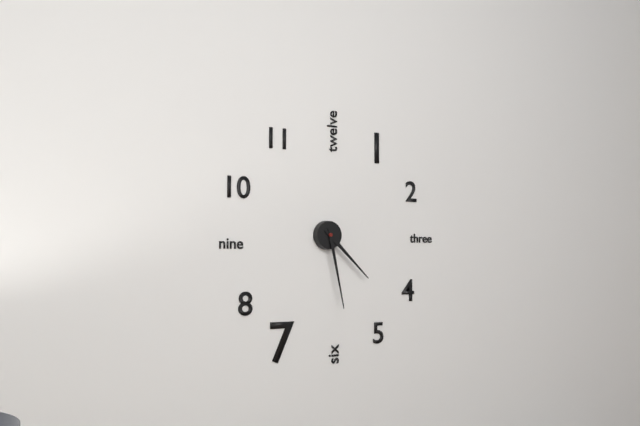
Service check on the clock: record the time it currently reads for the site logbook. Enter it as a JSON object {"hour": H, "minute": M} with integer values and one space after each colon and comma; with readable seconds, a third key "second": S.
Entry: {"hour": 4, "minute": 28}
